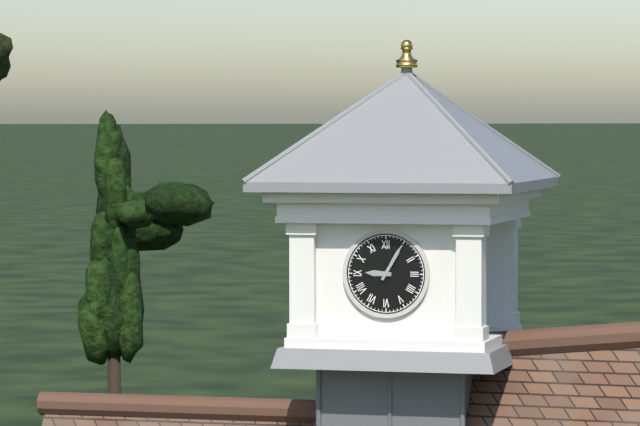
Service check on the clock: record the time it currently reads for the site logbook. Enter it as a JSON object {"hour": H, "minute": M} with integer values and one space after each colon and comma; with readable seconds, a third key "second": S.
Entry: {"hour": 9, "minute": 5}
